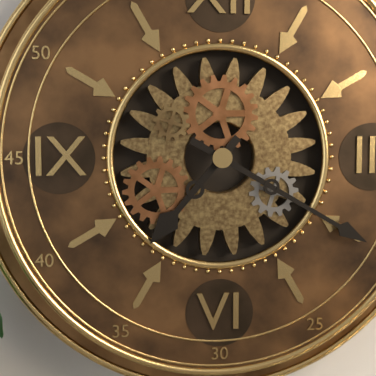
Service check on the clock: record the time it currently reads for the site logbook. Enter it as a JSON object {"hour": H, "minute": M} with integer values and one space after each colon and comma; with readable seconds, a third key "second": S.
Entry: {"hour": 7, "minute": 20}
